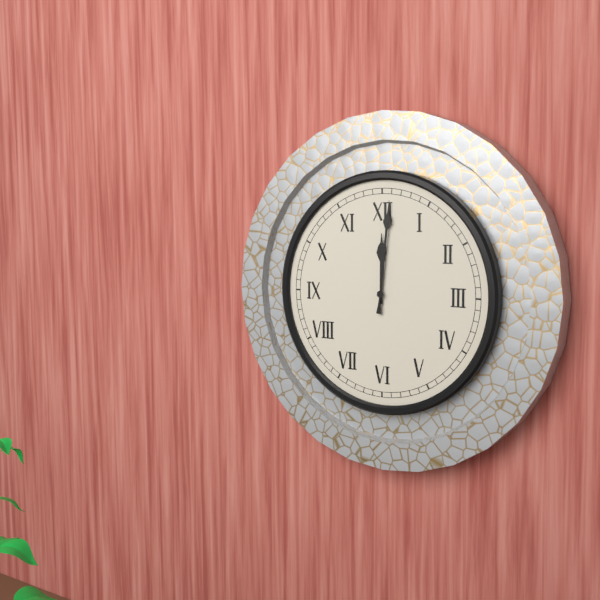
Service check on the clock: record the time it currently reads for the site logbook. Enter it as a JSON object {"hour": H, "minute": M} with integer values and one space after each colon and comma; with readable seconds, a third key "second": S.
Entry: {"hour": 12, "minute": 1}
